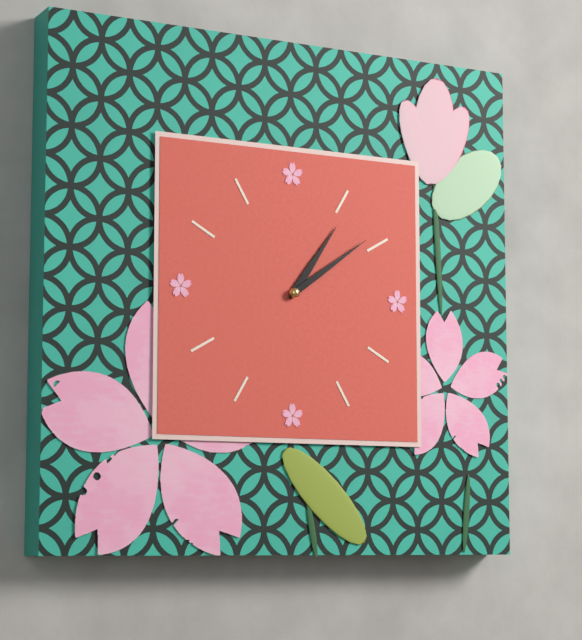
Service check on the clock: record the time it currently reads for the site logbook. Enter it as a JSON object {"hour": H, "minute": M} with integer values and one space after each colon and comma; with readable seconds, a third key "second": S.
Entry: {"hour": 1, "minute": 9}
